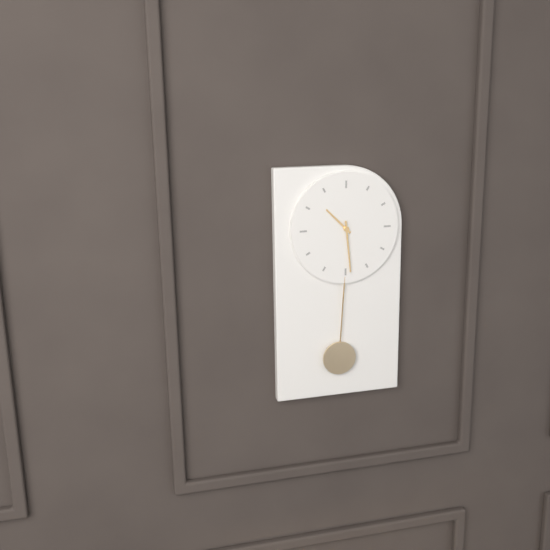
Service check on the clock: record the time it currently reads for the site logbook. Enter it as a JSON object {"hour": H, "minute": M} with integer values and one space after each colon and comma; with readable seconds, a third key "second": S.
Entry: {"hour": 10, "minute": 29}
